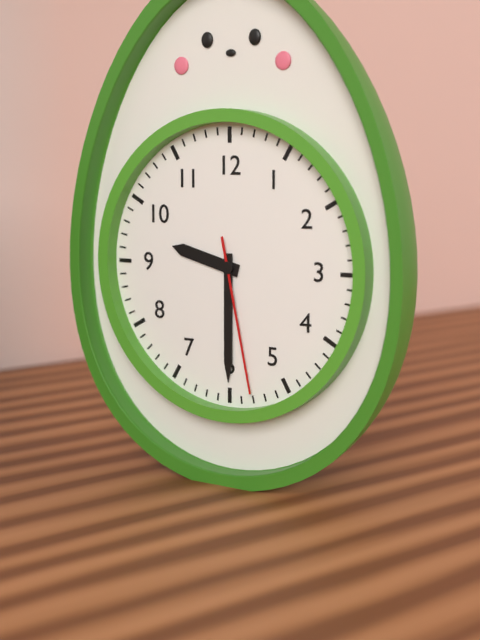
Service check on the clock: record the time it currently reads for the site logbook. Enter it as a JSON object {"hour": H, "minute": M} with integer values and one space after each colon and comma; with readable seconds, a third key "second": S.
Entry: {"hour": 9, "minute": 30, "second": 28}
